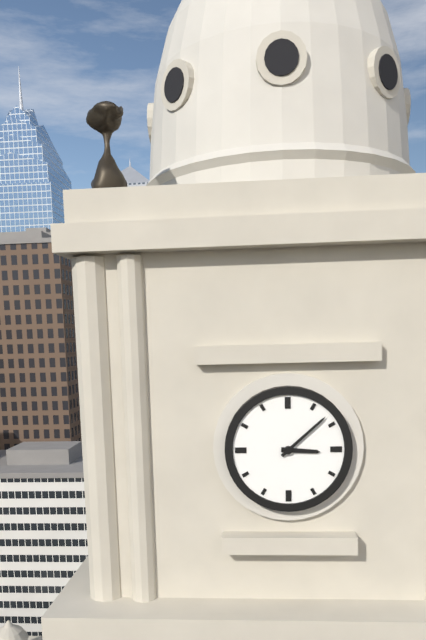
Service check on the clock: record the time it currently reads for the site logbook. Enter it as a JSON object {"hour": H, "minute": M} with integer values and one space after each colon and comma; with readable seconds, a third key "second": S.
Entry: {"hour": 3, "minute": 8}
